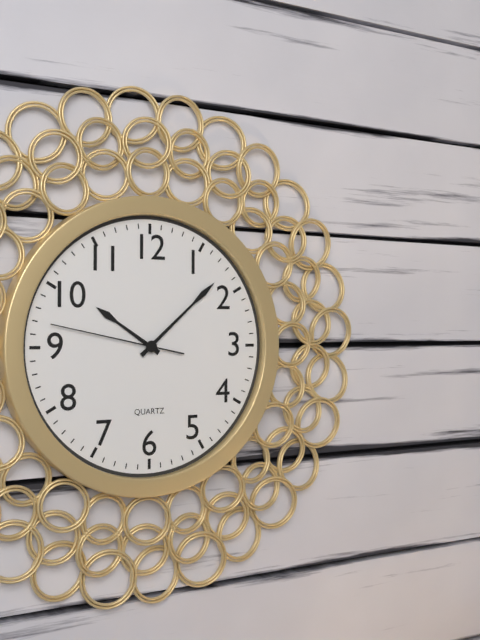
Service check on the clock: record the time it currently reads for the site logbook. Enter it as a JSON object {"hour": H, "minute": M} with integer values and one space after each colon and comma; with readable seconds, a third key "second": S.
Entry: {"hour": 10, "minute": 8, "second": 47}
